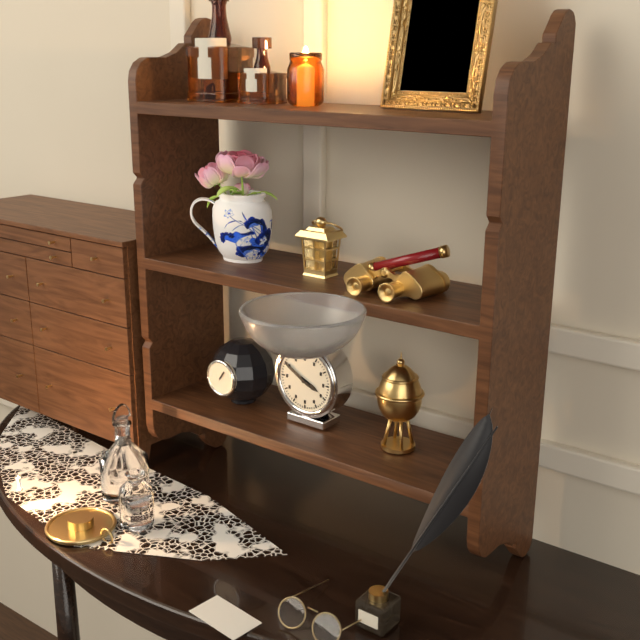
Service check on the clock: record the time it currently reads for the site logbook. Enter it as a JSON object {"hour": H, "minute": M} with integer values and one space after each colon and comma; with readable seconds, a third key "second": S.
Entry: {"hour": 3, "minute": 50}
